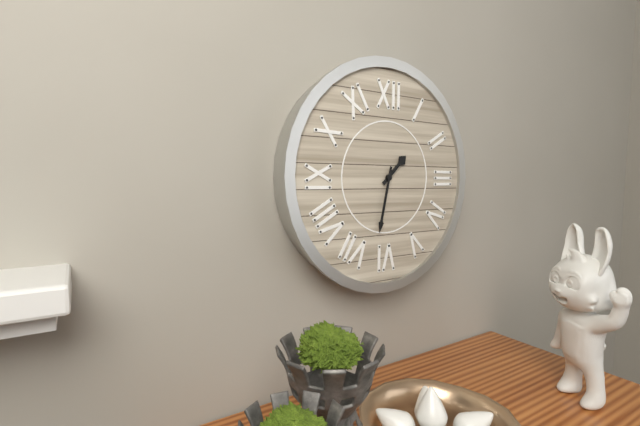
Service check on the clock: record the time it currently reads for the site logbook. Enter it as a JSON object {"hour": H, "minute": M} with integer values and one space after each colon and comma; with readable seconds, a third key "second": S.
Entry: {"hour": 1, "minute": 32}
